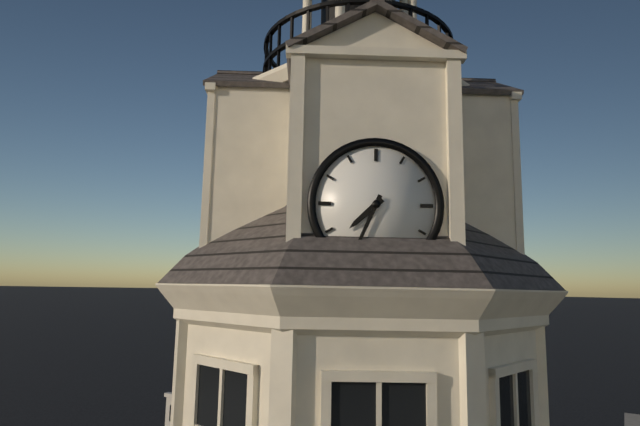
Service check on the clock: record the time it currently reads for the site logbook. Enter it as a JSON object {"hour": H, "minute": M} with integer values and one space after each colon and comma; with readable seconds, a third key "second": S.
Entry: {"hour": 7, "minute": 34}
